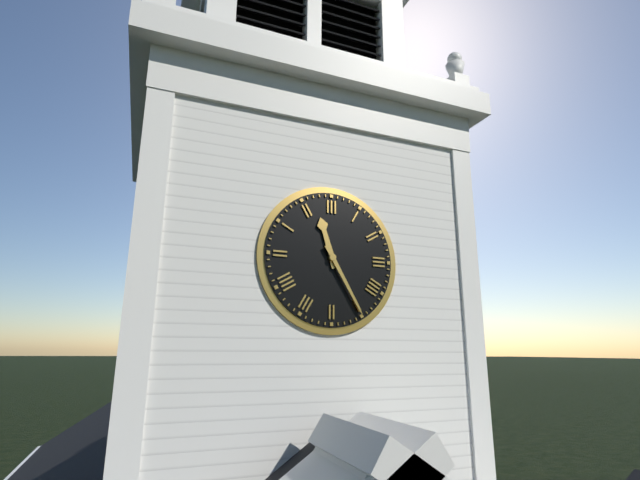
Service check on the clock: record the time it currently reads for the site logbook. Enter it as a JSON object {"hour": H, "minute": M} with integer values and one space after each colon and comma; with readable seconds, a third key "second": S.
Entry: {"hour": 11, "minute": 25}
